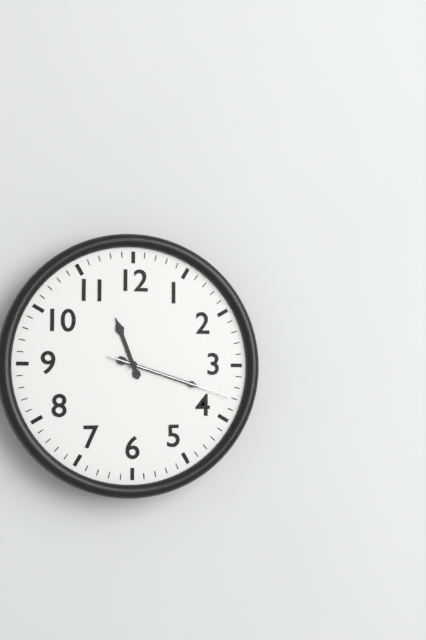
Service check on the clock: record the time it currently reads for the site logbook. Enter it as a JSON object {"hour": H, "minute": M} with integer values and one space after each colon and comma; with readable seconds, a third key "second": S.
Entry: {"hour": 11, "minute": 18, "second": 18}
